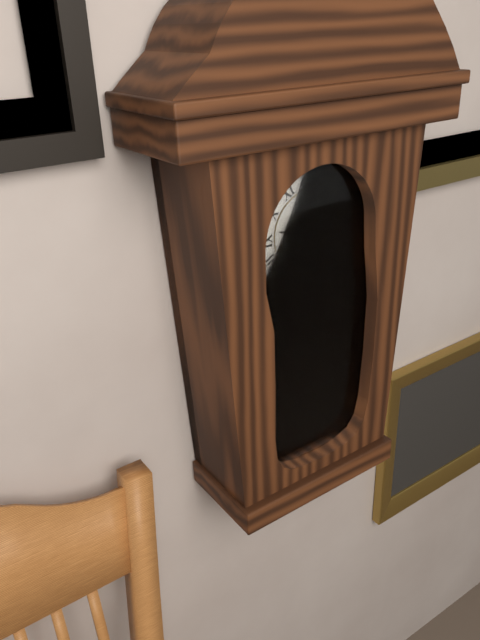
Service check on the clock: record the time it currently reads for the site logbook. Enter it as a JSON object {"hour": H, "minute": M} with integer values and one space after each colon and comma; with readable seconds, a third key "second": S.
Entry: {"hour": 9, "minute": 20}
